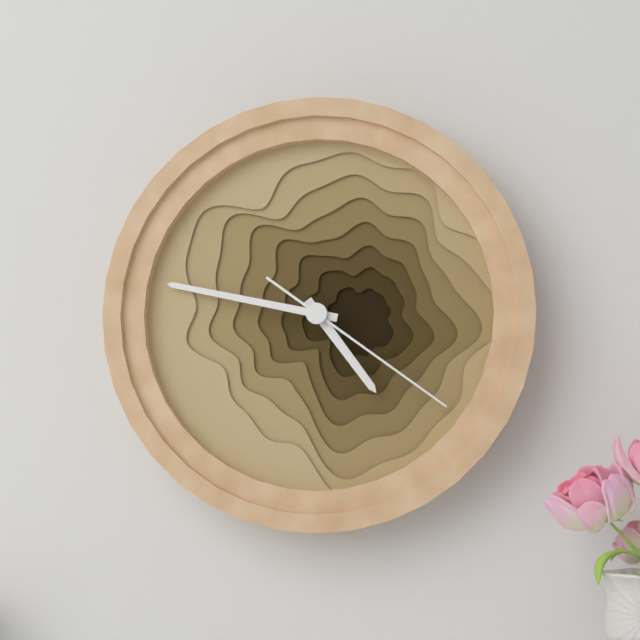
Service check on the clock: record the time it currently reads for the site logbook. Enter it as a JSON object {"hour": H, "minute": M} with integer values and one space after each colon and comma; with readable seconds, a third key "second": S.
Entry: {"hour": 4, "minute": 47, "second": 21}
